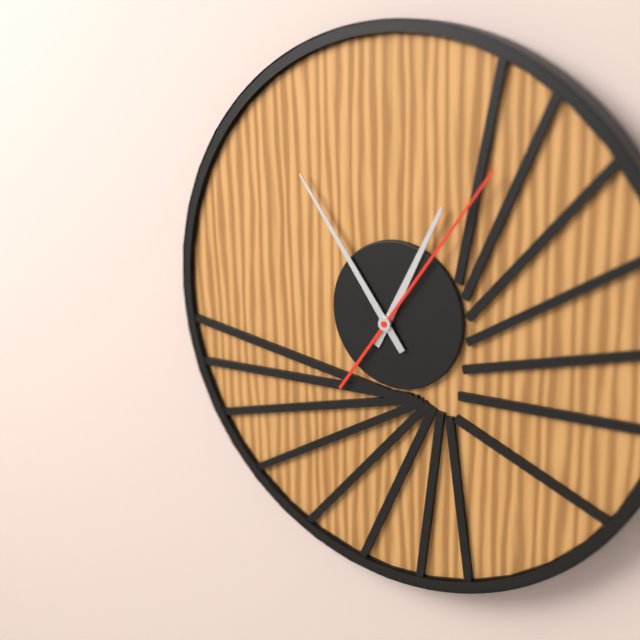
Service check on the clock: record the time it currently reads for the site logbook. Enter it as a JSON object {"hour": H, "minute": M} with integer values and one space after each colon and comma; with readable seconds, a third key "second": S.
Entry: {"hour": 12, "minute": 54, "second": 6}
